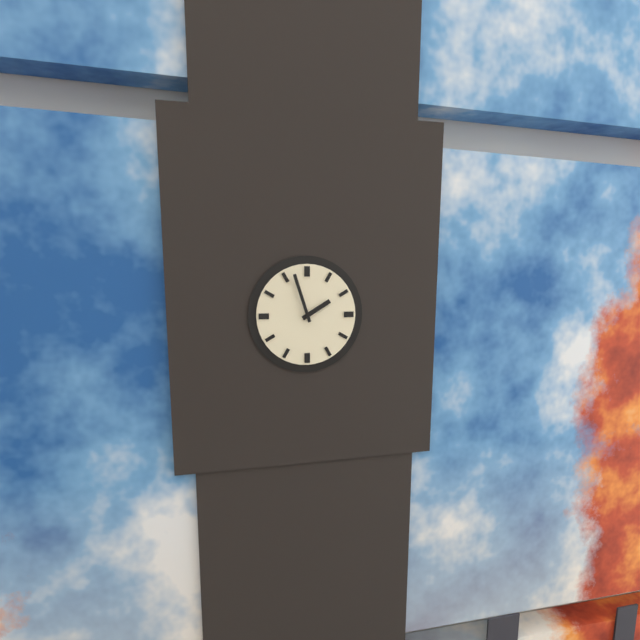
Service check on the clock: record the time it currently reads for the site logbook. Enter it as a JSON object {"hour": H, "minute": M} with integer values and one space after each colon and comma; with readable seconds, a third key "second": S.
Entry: {"hour": 1, "minute": 57}
